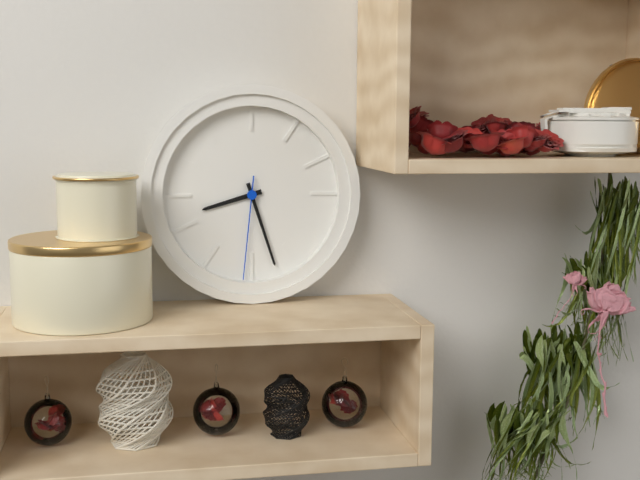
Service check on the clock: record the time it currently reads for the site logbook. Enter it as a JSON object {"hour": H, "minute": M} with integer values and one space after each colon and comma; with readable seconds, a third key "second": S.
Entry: {"hour": 8, "minute": 27, "second": 31}
